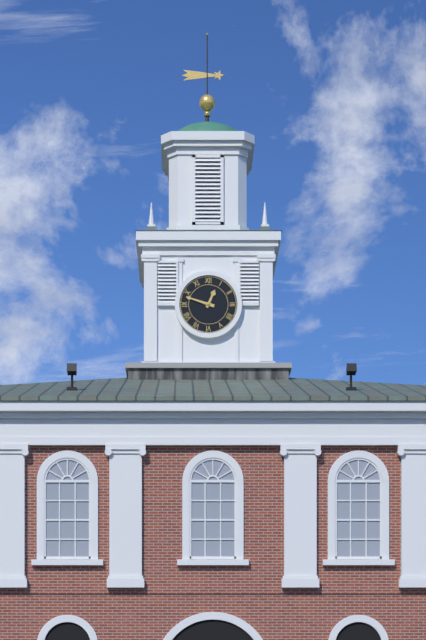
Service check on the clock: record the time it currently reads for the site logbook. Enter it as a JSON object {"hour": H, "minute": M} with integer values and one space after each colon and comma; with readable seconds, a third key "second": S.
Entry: {"hour": 12, "minute": 48}
